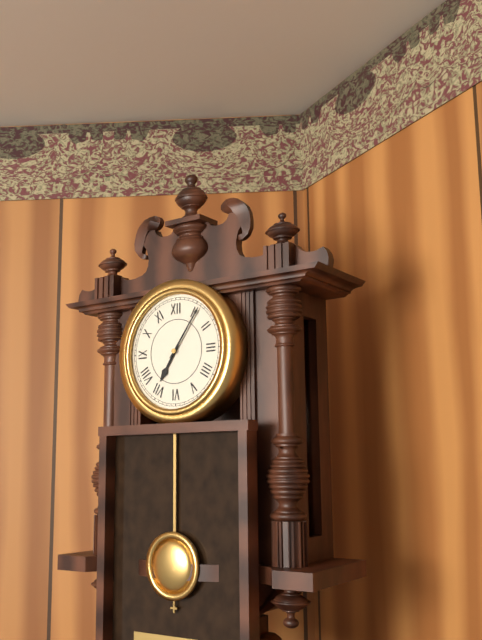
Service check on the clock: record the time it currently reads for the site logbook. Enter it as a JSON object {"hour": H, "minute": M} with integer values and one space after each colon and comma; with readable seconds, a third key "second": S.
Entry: {"hour": 7, "minute": 6}
